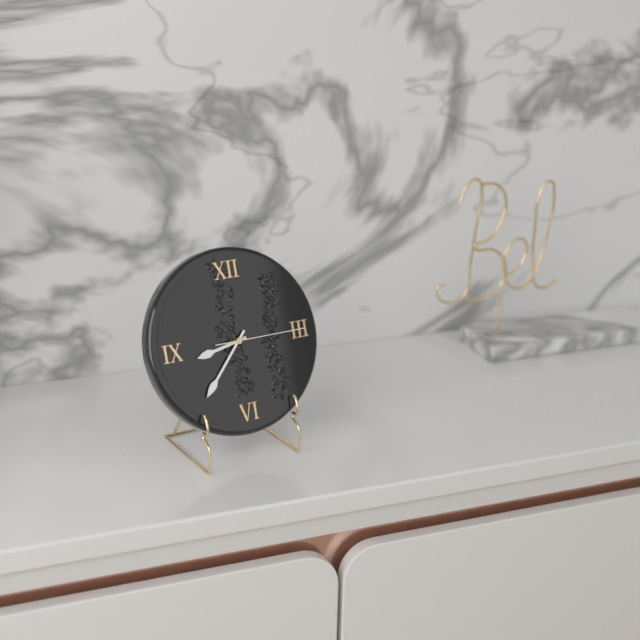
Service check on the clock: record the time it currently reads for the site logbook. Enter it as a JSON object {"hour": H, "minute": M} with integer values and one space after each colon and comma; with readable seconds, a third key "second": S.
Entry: {"hour": 8, "minute": 37, "second": 15}
